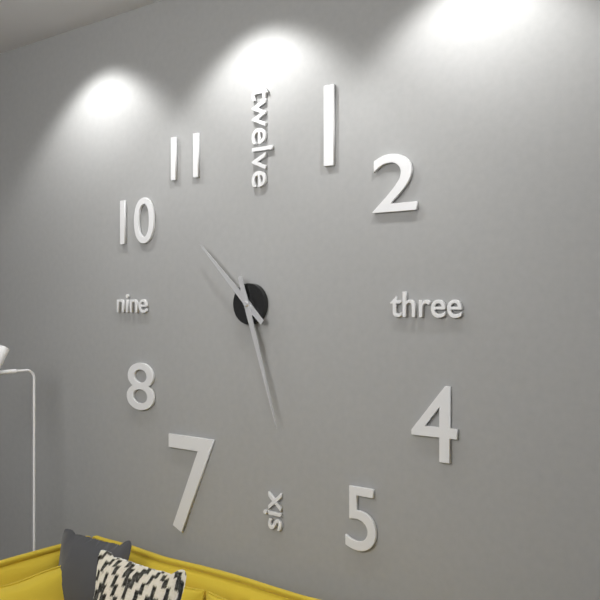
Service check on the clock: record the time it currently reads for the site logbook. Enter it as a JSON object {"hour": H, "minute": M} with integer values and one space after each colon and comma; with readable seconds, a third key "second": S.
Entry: {"hour": 10, "minute": 27}
